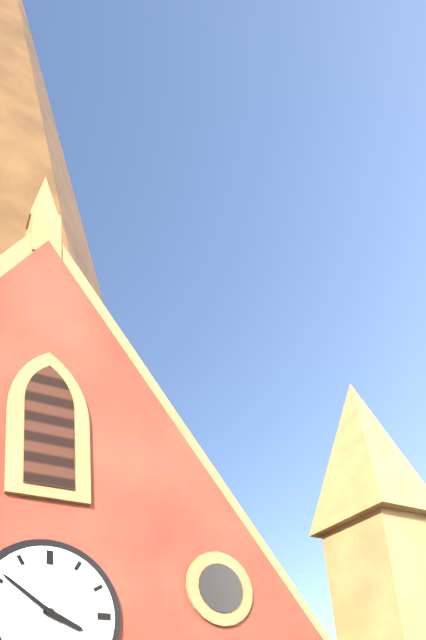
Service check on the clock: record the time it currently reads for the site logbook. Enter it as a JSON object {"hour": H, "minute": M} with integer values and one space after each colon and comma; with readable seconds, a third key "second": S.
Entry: {"hour": 3, "minute": 51}
